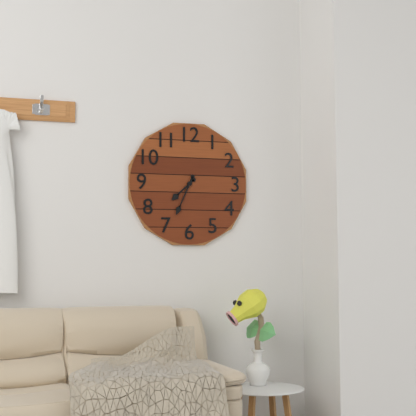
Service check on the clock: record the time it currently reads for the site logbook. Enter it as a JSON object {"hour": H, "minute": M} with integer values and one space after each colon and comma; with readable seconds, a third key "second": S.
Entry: {"hour": 7, "minute": 34}
